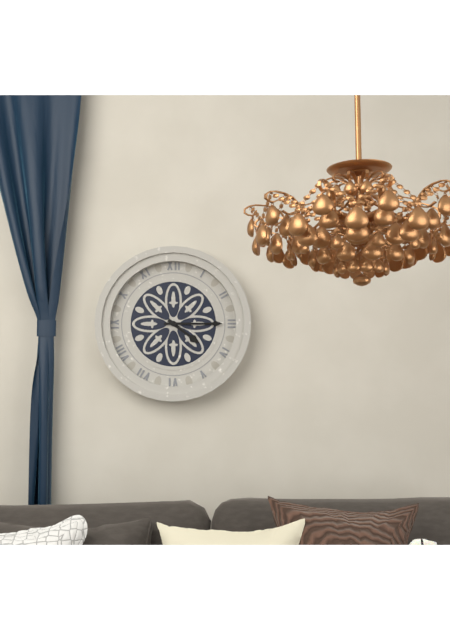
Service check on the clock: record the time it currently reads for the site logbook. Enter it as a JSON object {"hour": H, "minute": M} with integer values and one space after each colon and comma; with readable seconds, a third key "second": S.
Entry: {"hour": 4, "minute": 15}
